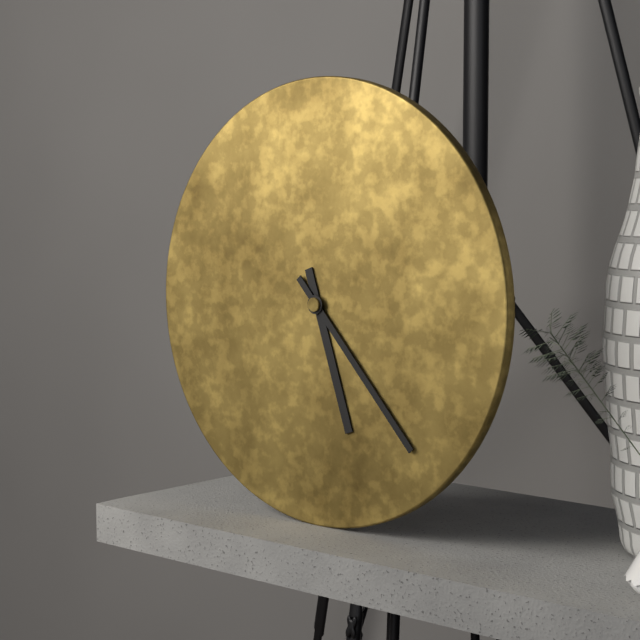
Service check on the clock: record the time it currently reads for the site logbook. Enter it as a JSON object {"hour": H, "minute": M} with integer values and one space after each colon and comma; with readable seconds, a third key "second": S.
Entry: {"hour": 5, "minute": 23}
